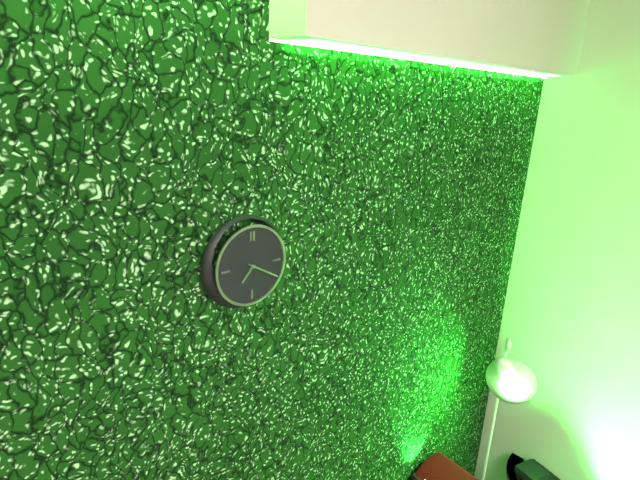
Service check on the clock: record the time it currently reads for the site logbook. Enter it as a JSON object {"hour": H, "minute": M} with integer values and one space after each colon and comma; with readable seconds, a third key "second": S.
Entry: {"hour": 7, "minute": 20}
